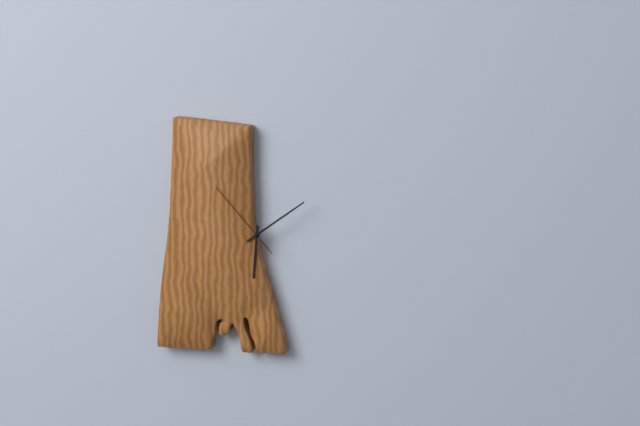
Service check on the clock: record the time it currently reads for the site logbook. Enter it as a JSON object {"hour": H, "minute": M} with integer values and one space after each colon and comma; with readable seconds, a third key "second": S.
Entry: {"hour": 6, "minute": 9, "second": 53}
